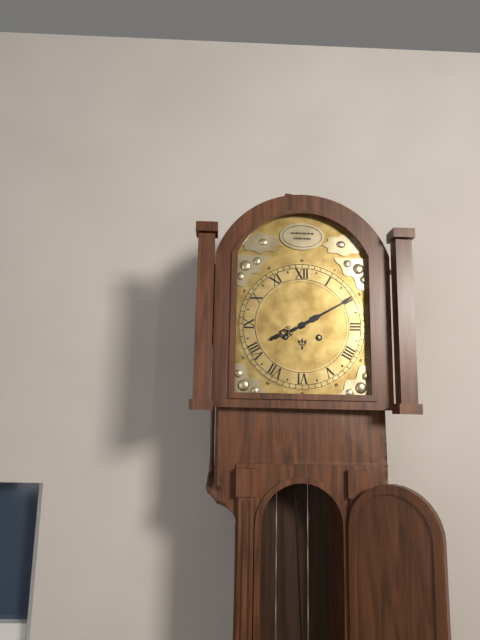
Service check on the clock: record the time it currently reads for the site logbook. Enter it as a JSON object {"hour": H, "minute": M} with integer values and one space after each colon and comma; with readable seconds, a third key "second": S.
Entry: {"hour": 8, "minute": 10}
